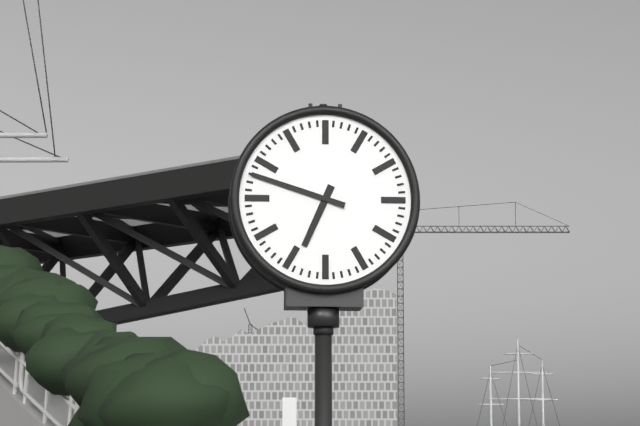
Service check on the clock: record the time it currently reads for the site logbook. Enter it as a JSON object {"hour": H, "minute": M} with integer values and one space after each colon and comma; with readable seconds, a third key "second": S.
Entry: {"hour": 6, "minute": 48}
